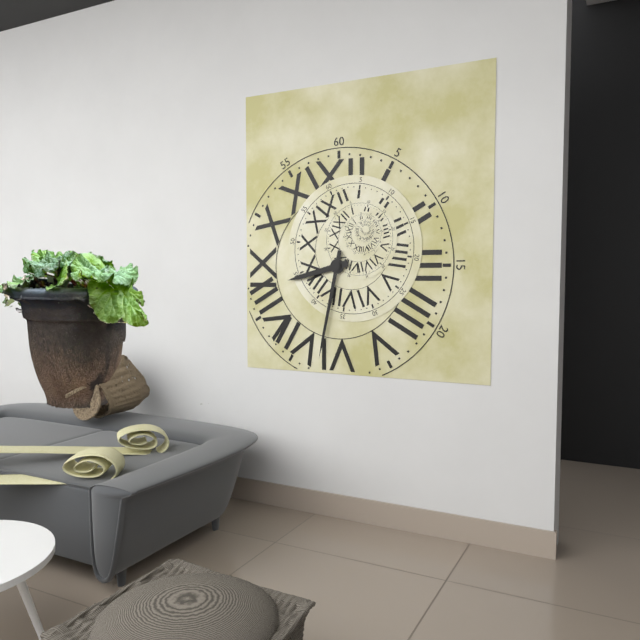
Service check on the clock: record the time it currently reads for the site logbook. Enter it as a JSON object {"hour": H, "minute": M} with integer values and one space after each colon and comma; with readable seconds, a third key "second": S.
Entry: {"hour": 8, "minute": 32}
